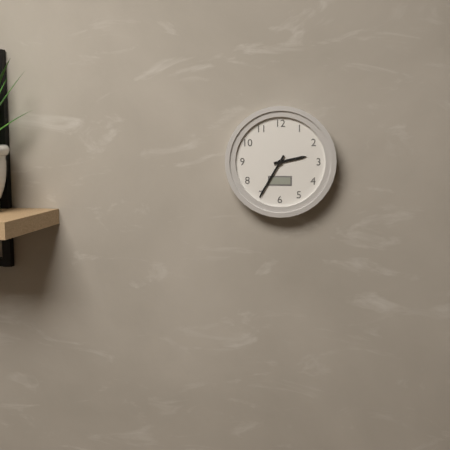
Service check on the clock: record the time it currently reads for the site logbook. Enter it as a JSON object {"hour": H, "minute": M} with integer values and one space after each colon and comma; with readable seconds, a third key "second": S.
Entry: {"hour": 2, "minute": 35}
